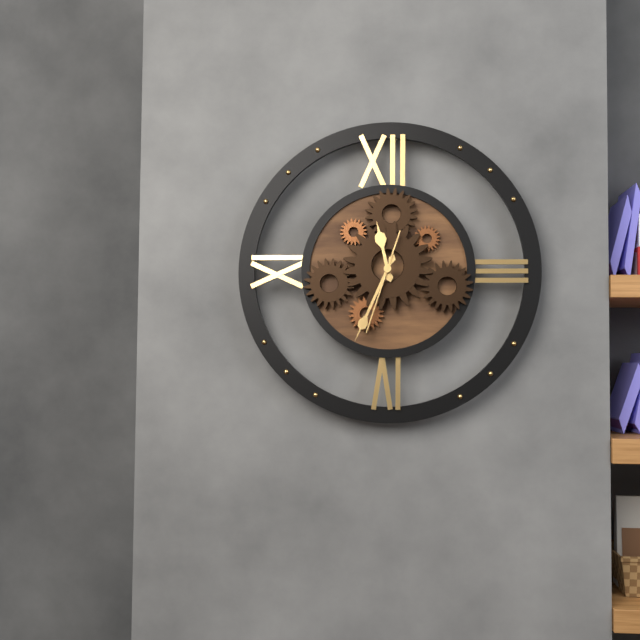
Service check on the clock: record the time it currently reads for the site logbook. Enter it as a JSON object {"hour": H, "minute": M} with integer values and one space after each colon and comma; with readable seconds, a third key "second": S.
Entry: {"hour": 11, "minute": 34, "second": 33}
